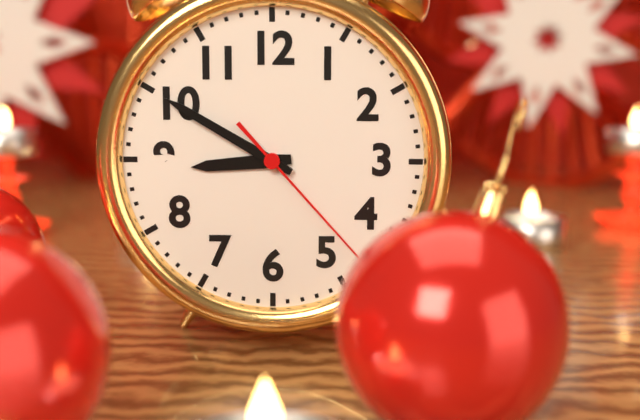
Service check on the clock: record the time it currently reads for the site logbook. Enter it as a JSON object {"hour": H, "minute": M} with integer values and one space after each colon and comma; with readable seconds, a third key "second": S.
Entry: {"hour": 8, "minute": 50, "second": 23}
